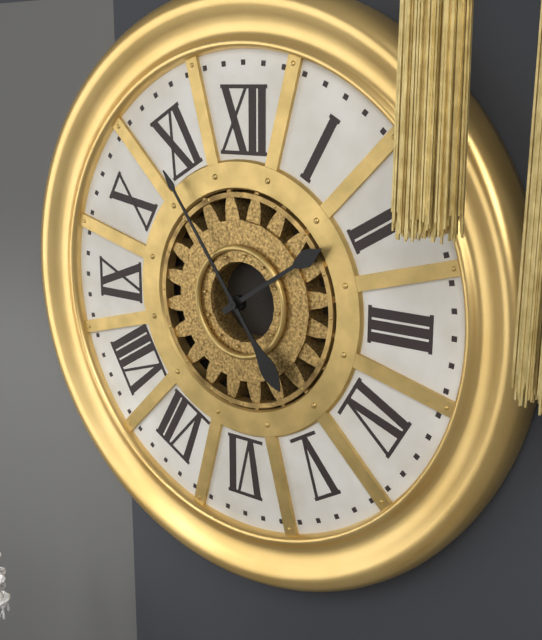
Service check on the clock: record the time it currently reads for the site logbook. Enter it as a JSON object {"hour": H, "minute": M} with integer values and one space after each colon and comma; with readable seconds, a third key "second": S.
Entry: {"hour": 1, "minute": 54}
